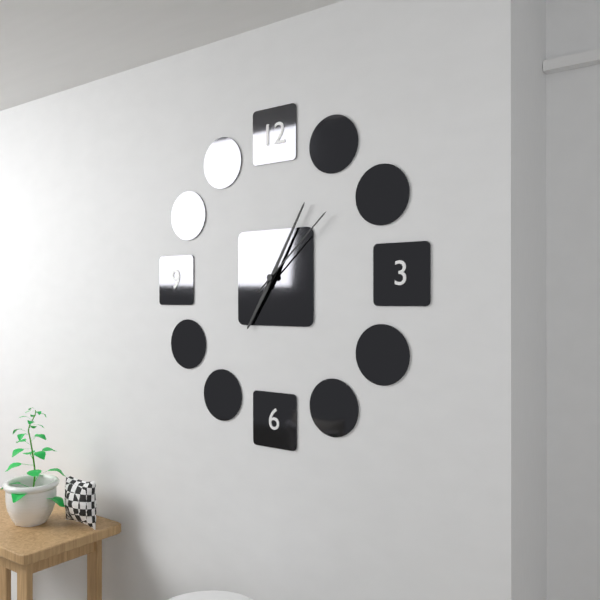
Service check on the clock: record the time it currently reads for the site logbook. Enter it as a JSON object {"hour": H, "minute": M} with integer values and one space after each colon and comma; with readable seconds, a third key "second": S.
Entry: {"hour": 7, "minute": 5, "second": 8}
